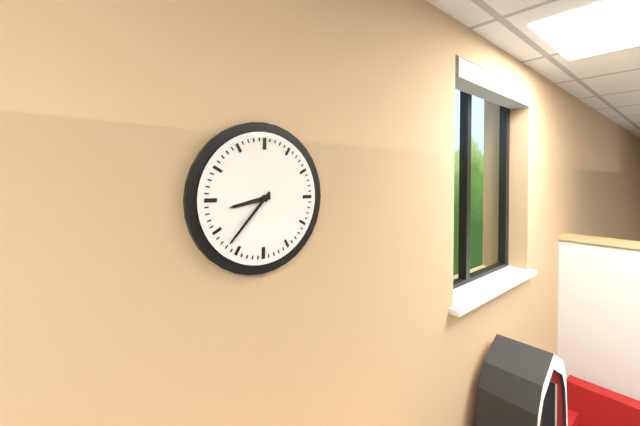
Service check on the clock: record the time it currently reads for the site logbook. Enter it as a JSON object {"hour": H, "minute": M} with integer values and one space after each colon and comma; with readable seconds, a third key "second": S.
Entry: {"hour": 8, "minute": 37}
